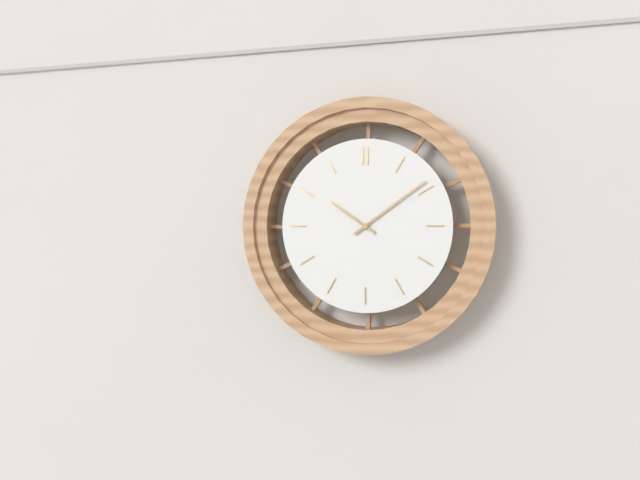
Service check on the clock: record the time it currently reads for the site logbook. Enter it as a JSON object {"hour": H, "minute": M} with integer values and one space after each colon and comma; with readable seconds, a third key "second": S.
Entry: {"hour": 10, "minute": 9}
